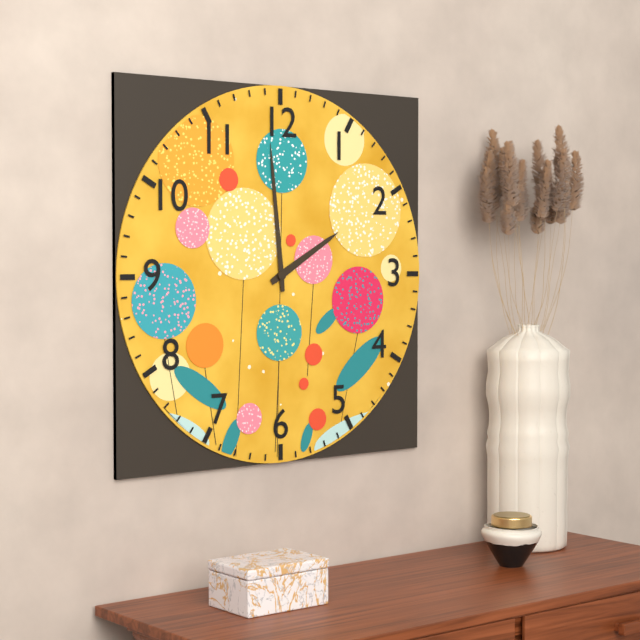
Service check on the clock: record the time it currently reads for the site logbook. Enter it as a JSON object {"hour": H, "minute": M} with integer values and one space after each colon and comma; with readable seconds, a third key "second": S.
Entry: {"hour": 1, "minute": 59}
